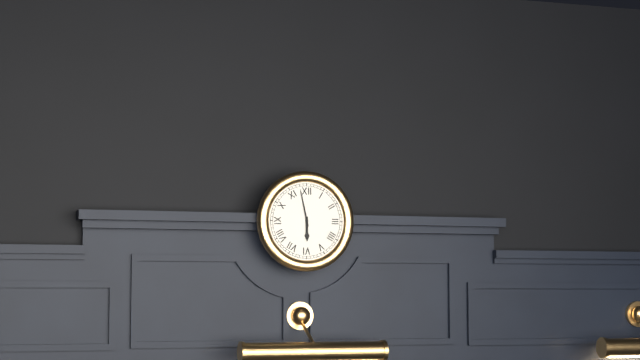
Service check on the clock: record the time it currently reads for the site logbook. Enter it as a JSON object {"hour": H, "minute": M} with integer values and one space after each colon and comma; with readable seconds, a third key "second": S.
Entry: {"hour": 5, "minute": 58}
